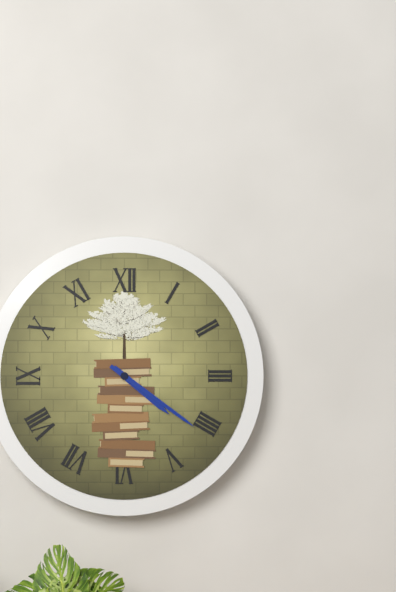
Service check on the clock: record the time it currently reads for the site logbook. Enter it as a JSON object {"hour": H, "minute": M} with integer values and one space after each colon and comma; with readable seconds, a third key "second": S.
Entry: {"hour": 4, "minute": 21}
